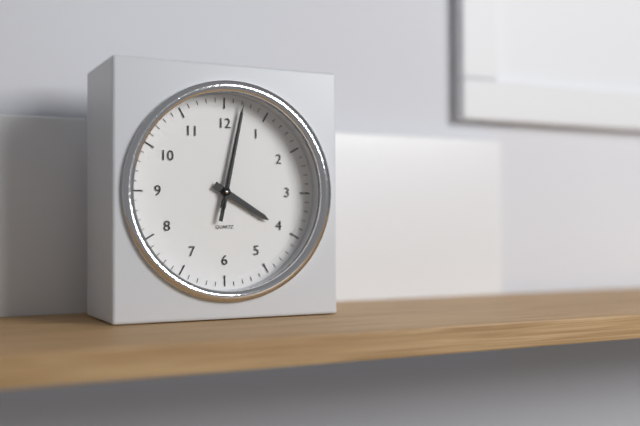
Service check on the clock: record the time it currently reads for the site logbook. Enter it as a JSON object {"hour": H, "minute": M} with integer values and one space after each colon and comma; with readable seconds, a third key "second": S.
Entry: {"hour": 4, "minute": 2, "second": 2}
